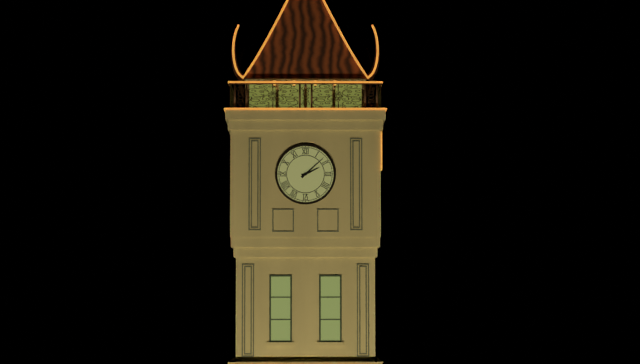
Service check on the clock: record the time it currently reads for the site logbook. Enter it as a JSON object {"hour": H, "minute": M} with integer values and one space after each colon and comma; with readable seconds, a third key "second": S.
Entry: {"hour": 2, "minute": 8}
